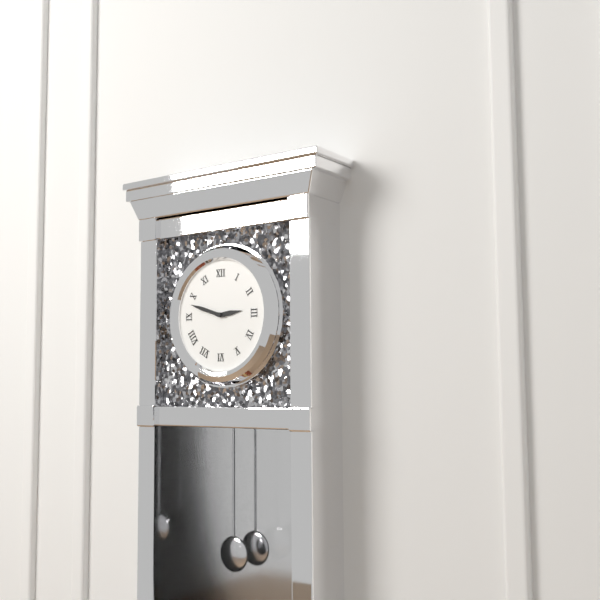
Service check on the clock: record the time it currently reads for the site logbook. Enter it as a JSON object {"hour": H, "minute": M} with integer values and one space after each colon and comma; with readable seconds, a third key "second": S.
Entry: {"hour": 2, "minute": 48}
